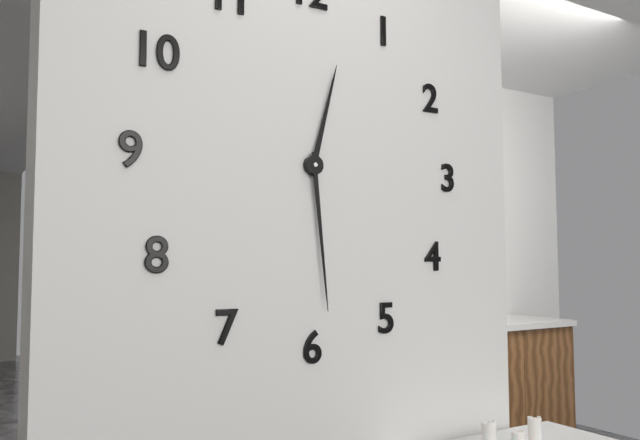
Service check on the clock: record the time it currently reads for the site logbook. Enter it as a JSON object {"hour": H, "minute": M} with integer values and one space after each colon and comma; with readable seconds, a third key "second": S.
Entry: {"hour": 12, "minute": 29}
